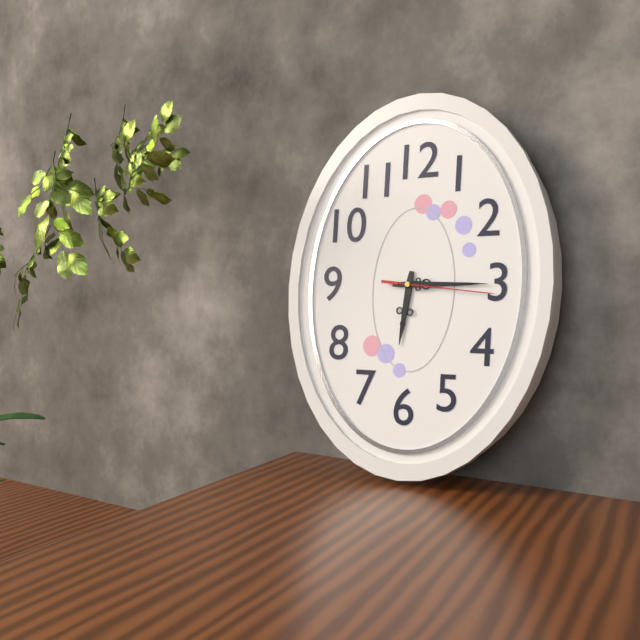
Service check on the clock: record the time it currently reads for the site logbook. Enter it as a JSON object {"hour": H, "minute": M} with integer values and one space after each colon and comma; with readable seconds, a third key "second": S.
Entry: {"hour": 6, "minute": 15, "second": 16}
